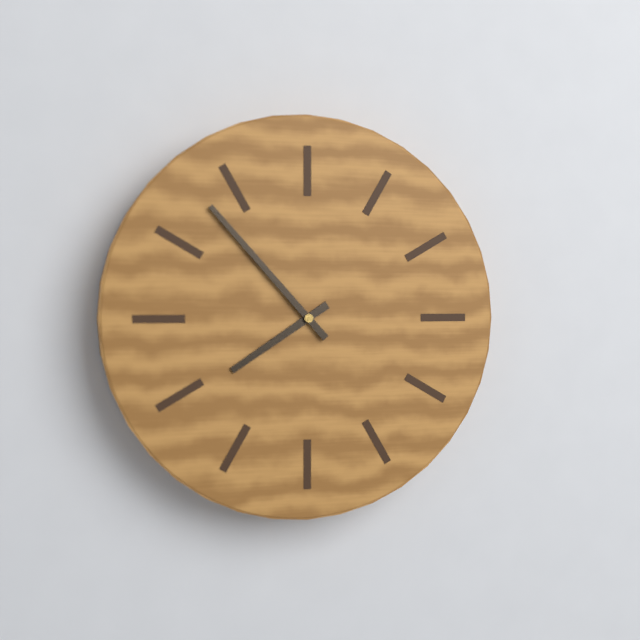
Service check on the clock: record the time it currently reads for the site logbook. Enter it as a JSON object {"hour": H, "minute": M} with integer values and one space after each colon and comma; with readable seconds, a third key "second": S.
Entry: {"hour": 7, "minute": 53}
